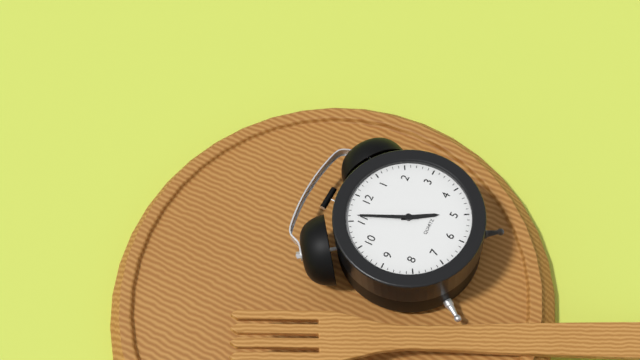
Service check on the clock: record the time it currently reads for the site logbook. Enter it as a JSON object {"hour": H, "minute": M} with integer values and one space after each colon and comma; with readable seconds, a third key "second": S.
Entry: {"hour": 4, "minute": 56}
